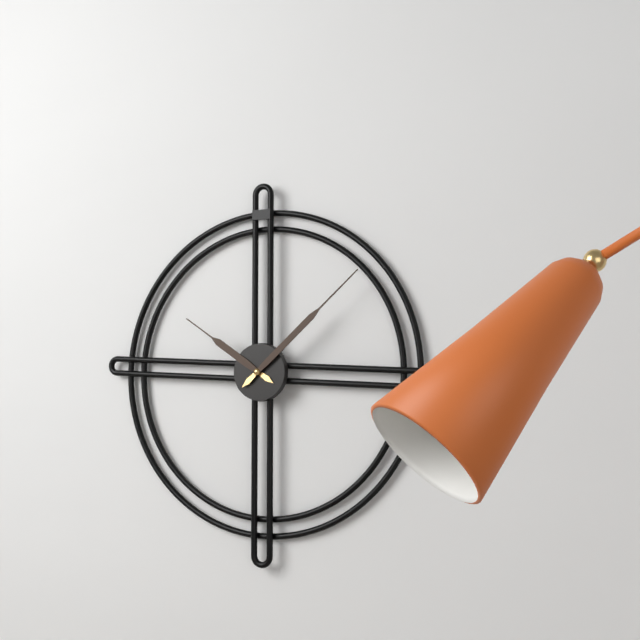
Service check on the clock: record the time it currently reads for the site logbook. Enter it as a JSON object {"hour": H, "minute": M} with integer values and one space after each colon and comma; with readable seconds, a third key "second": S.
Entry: {"hour": 10, "minute": 8}
